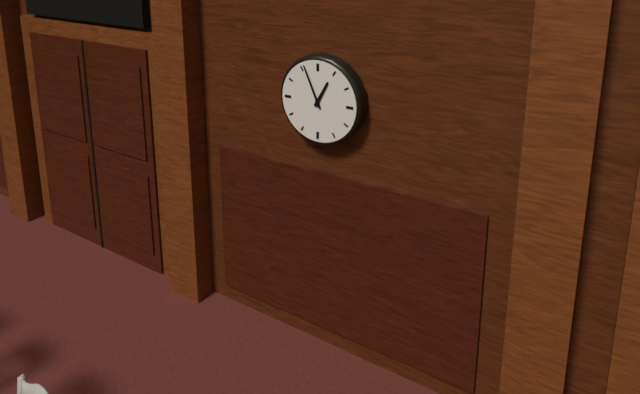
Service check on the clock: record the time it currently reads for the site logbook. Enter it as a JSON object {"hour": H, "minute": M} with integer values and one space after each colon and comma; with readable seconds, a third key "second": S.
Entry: {"hour": 12, "minute": 56}
